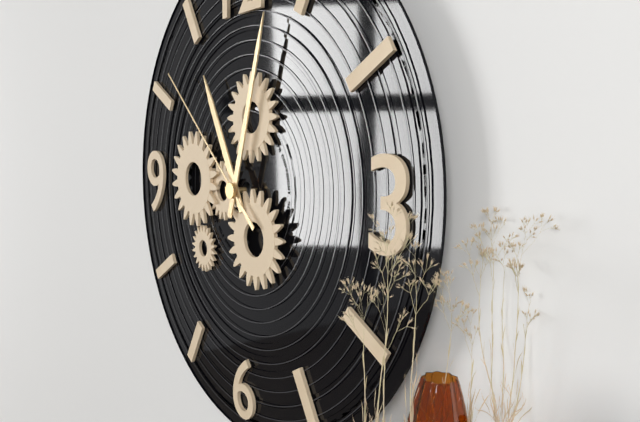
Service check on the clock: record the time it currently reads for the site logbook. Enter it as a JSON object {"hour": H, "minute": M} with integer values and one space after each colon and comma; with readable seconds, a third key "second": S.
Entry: {"hour": 11, "minute": 3, "second": 52}
